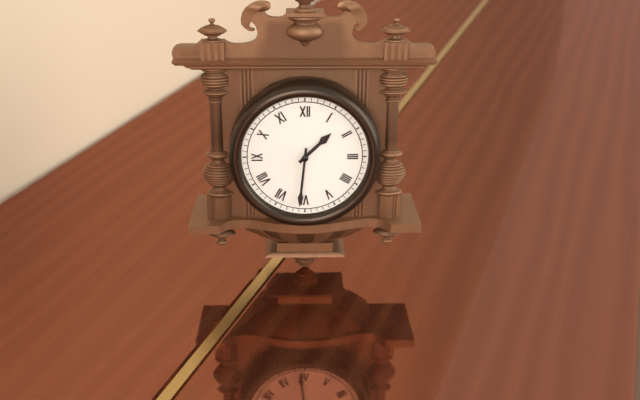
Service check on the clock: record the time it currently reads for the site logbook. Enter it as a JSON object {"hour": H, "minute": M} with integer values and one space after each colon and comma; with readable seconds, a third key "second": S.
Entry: {"hour": 1, "minute": 31}
